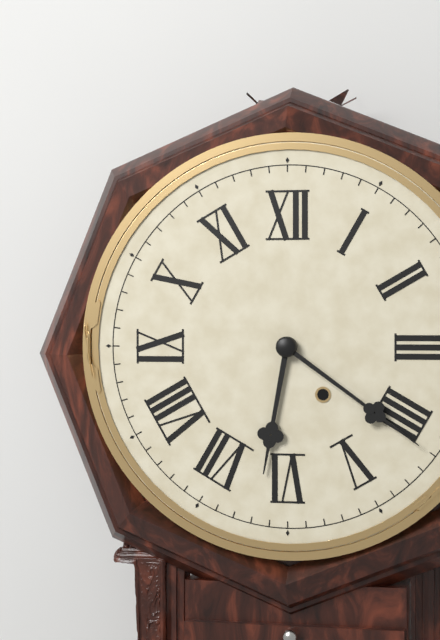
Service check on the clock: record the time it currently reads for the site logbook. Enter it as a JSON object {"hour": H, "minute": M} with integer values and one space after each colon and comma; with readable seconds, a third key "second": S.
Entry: {"hour": 6, "minute": 21}
